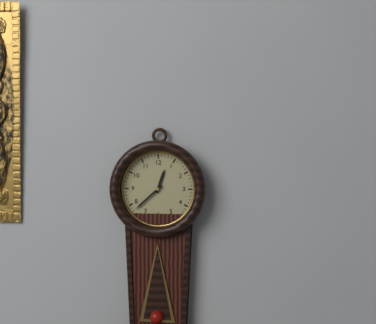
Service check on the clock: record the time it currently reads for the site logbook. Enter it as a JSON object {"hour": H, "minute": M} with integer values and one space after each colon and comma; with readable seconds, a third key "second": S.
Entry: {"hour": 12, "minute": 38}
